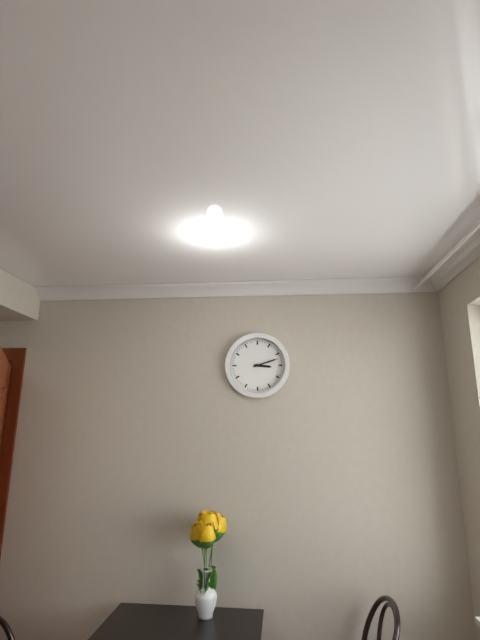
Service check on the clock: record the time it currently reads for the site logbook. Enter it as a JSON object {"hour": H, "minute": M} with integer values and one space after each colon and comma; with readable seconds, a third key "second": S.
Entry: {"hour": 3, "minute": 12}
